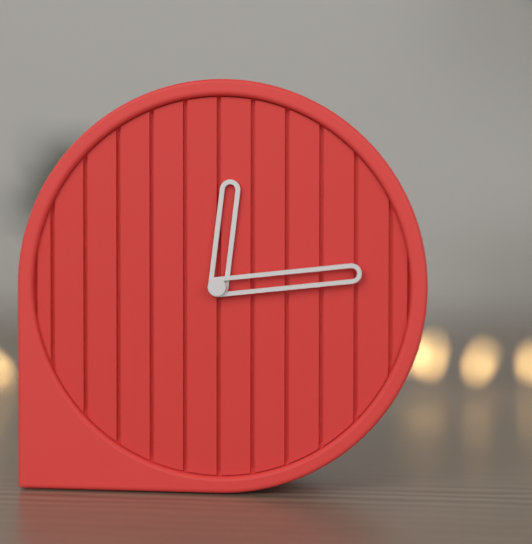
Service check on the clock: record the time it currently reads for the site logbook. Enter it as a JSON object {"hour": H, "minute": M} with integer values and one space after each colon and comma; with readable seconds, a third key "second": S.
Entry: {"hour": 12, "minute": 14}
